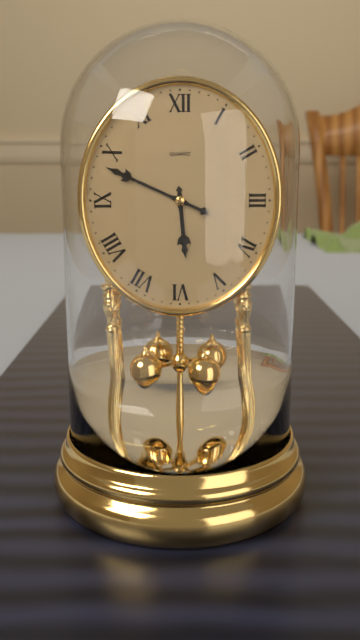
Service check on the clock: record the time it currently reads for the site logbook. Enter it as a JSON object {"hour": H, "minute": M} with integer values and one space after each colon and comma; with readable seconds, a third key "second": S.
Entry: {"hour": 5, "minute": 49}
